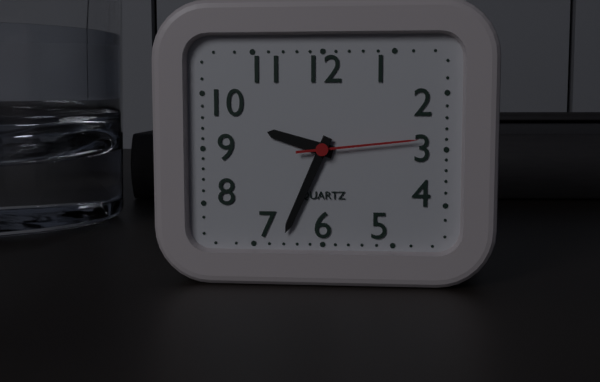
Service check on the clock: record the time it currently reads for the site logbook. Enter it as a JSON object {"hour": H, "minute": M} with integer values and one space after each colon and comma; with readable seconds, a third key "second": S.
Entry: {"hour": 9, "minute": 34, "second": 14}
